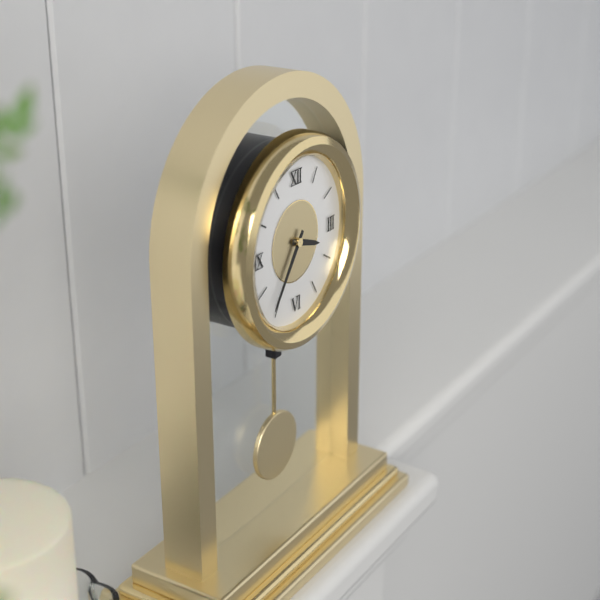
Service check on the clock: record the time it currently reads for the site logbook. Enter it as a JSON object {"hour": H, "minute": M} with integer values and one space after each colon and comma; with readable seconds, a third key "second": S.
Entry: {"hour": 3, "minute": 36}
